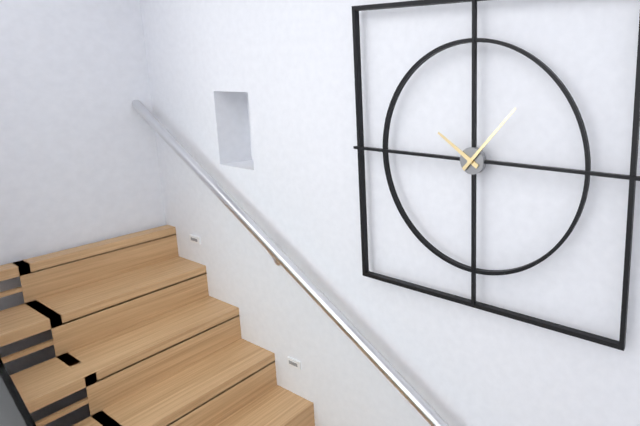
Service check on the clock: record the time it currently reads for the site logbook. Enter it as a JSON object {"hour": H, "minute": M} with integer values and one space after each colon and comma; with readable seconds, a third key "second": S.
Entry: {"hour": 10, "minute": 7}
